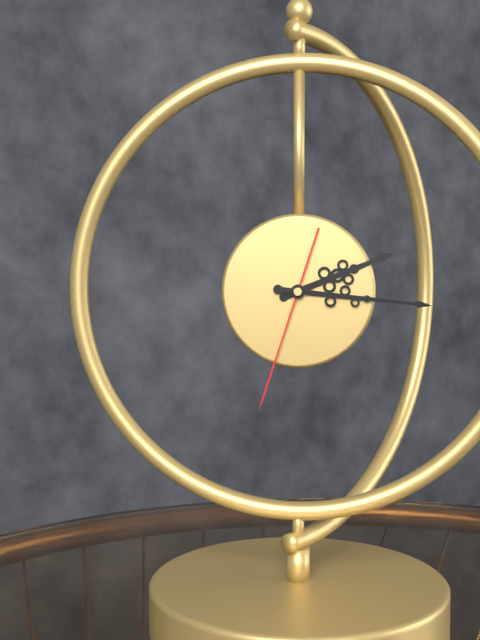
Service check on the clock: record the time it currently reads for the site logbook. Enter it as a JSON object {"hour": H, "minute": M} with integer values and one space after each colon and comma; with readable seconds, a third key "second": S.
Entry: {"hour": 2, "minute": 16, "second": 33}
